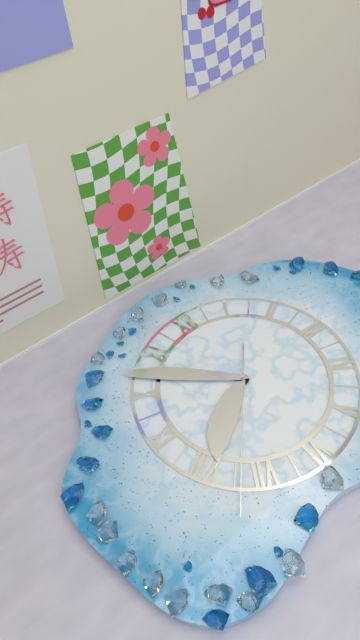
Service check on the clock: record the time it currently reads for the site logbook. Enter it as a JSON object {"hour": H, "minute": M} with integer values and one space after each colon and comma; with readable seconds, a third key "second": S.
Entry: {"hour": 7, "minute": 52, "second": 37}
